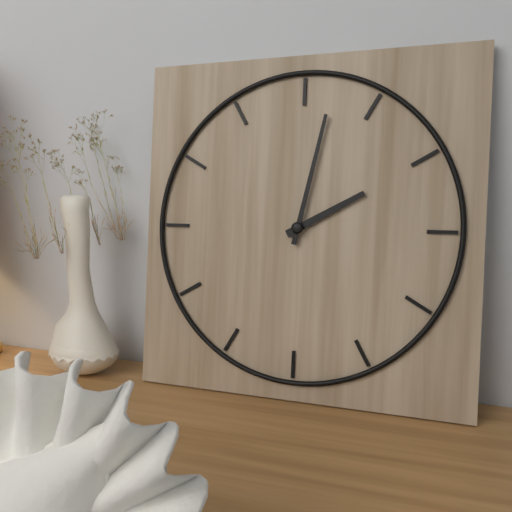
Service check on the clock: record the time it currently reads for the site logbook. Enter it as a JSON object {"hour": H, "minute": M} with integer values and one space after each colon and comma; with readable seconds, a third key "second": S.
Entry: {"hour": 2, "minute": 2}
